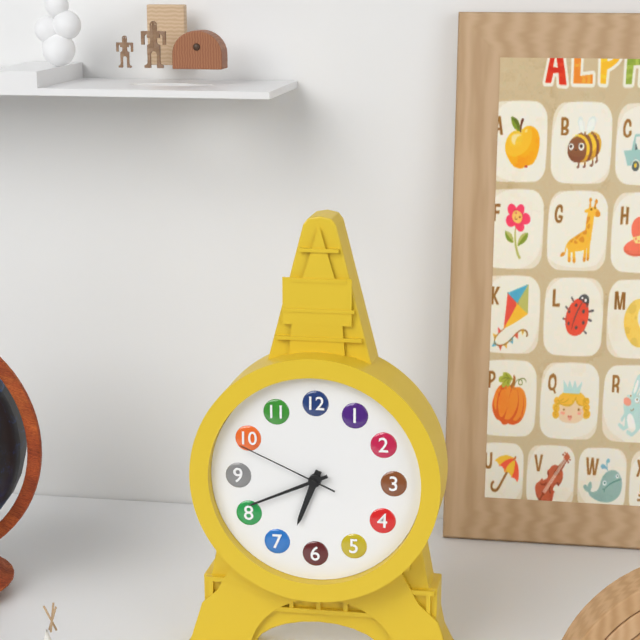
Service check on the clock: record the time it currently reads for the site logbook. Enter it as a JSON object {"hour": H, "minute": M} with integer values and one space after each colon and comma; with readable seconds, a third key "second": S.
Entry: {"hour": 6, "minute": 41, "second": 49}
